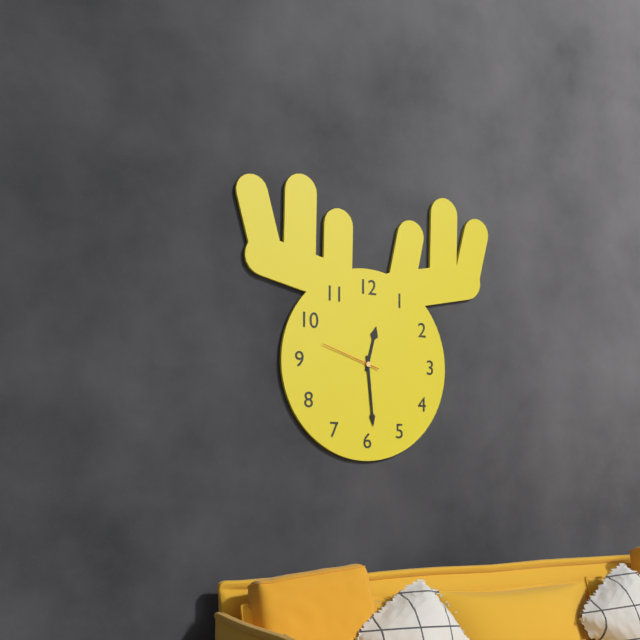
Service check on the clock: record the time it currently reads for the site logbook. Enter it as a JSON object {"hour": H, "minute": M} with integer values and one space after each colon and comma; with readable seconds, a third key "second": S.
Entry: {"hour": 12, "minute": 29, "second": 48}
